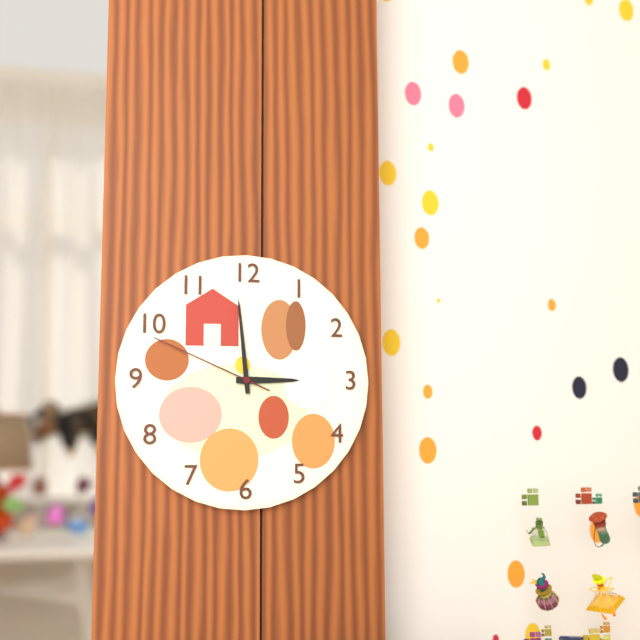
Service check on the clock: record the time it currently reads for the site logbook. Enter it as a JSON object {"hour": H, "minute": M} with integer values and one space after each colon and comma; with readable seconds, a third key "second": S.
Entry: {"hour": 2, "minute": 59, "second": 49}
